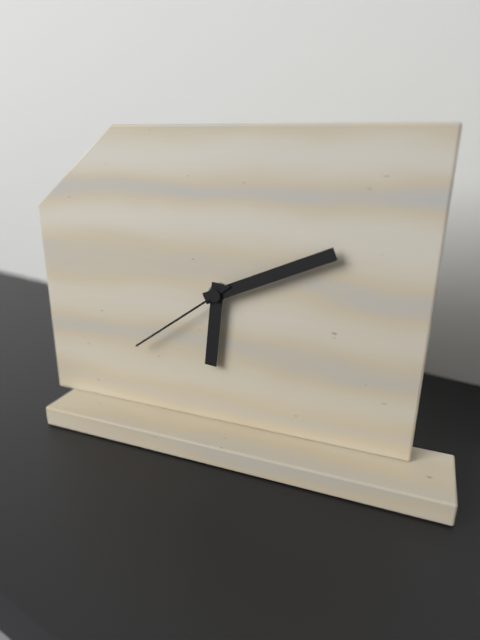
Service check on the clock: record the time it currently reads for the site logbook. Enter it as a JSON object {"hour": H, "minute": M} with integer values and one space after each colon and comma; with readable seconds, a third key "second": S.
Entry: {"hour": 6, "minute": 11, "second": 39}
